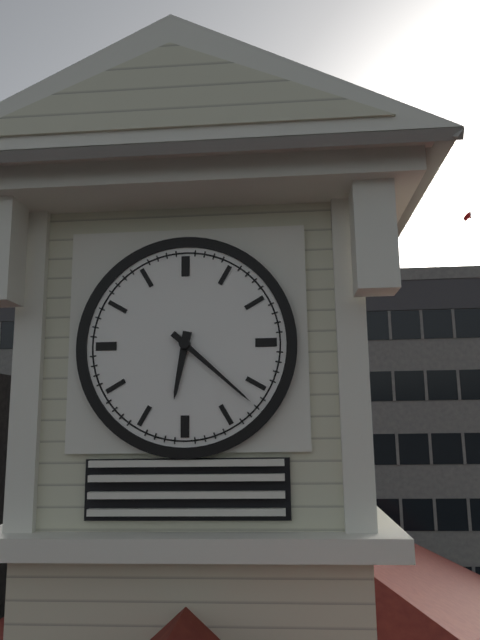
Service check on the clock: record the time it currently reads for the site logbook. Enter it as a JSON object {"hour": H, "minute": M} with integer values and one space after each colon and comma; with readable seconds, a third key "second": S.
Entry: {"hour": 6, "minute": 22}
